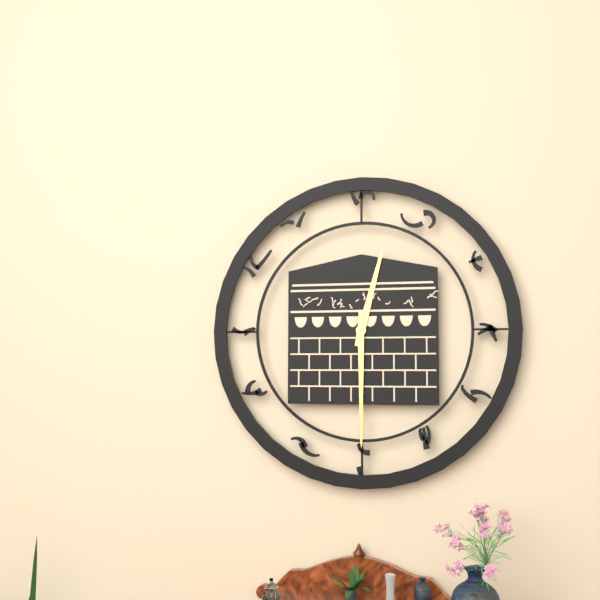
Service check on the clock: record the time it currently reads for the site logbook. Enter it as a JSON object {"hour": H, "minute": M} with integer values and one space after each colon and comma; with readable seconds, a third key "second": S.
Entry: {"hour": 12, "minute": 30}
